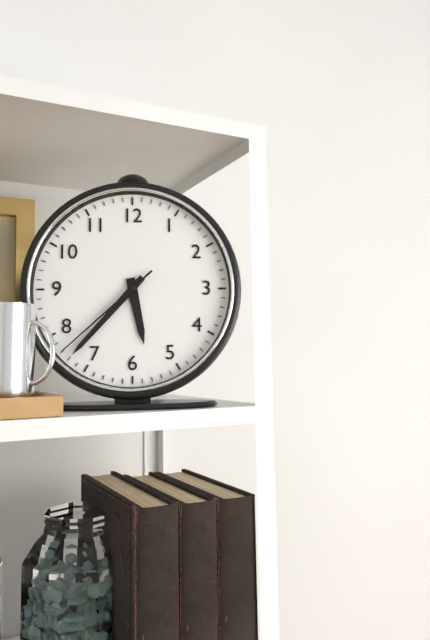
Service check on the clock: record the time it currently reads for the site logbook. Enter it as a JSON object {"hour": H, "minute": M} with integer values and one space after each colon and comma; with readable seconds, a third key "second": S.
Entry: {"hour": 5, "minute": 37, "second": 38}
